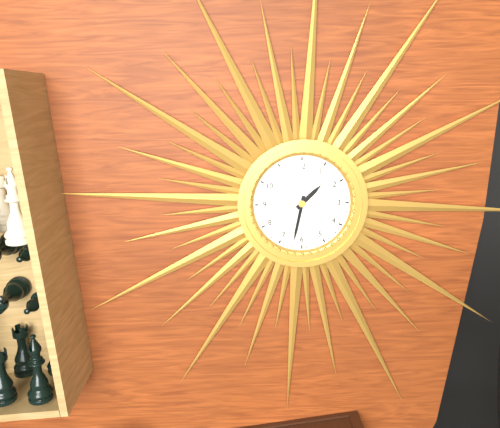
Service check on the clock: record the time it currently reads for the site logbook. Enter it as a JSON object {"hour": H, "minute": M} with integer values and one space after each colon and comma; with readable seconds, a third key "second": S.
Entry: {"hour": 1, "minute": 32}
